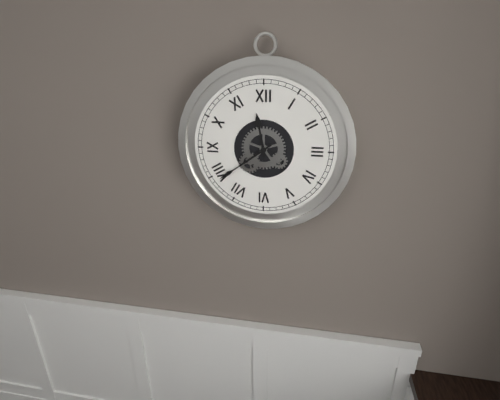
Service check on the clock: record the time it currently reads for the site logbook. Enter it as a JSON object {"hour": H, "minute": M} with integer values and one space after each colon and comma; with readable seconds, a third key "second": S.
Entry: {"hour": 11, "minute": 39}
